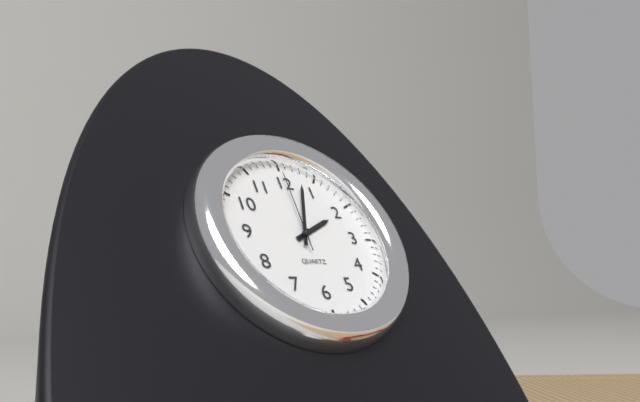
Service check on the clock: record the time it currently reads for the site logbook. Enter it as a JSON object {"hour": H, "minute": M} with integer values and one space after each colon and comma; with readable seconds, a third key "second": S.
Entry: {"hour": 2, "minute": 3, "second": 0}
